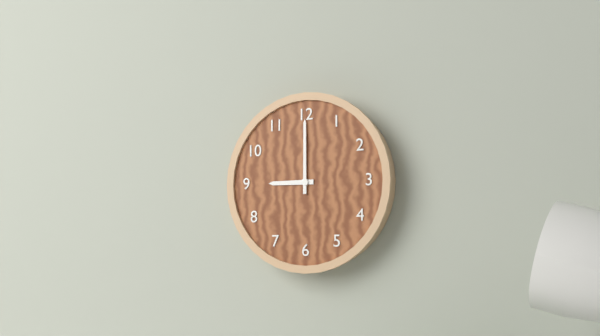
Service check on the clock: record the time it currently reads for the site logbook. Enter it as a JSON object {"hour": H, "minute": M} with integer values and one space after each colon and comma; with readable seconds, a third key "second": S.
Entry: {"hour": 9, "minute": 0}
